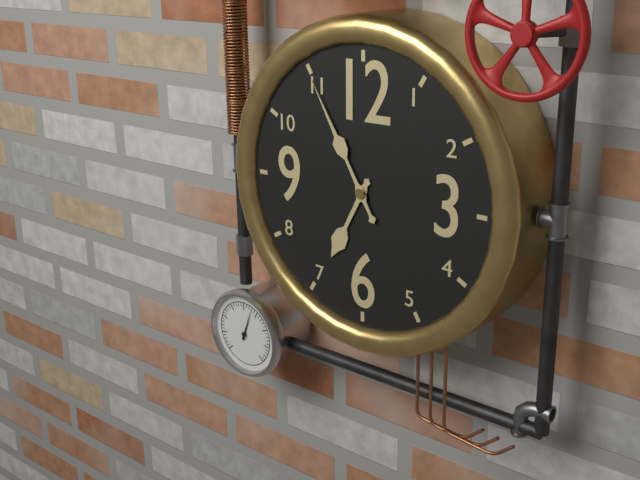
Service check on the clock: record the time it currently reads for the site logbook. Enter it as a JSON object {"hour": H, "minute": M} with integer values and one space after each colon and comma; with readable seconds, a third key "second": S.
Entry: {"hour": 6, "minute": 55}
